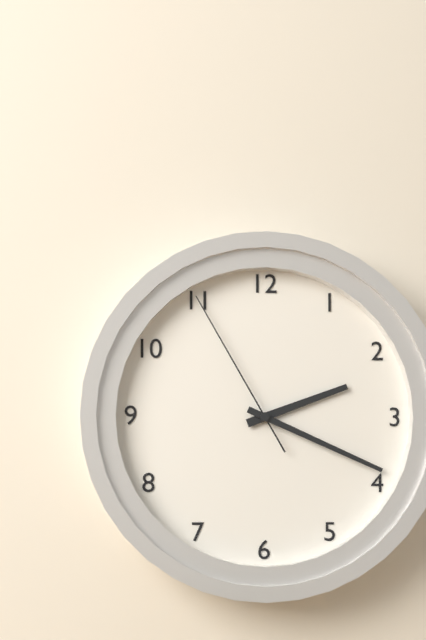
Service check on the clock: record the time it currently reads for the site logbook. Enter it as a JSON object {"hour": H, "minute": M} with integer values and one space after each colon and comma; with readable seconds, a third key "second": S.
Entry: {"hour": 2, "minute": 19, "second": 55}
